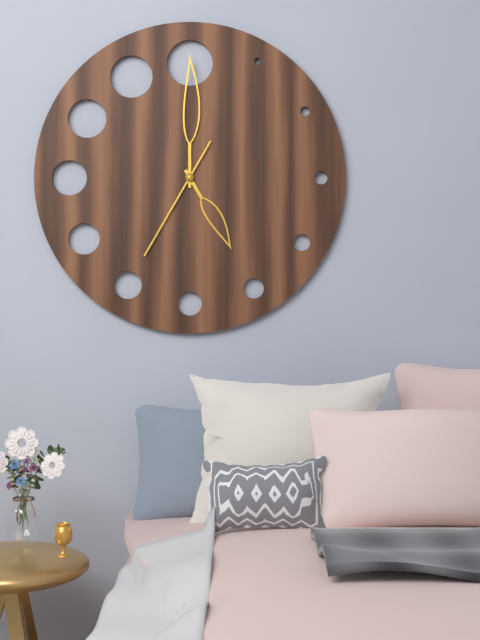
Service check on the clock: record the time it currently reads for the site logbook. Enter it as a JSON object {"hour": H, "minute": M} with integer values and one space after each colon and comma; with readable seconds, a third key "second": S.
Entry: {"hour": 5, "minute": 0, "second": 35}
